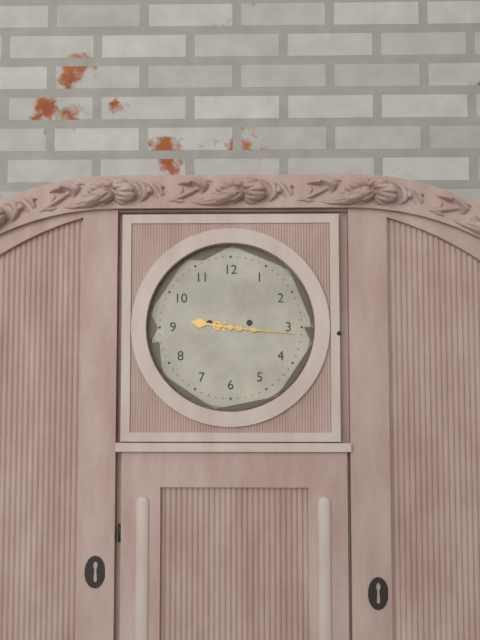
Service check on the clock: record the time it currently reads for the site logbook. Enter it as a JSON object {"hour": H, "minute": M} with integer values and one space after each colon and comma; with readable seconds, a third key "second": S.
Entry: {"hour": 9, "minute": 16}
